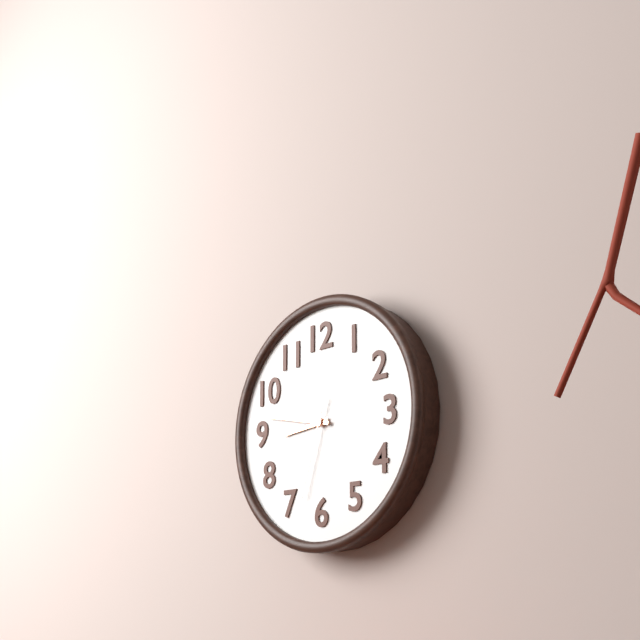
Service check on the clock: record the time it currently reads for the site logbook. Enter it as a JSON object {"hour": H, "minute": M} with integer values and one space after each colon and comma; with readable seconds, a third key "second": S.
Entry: {"hour": 8, "minute": 47, "second": 33}
